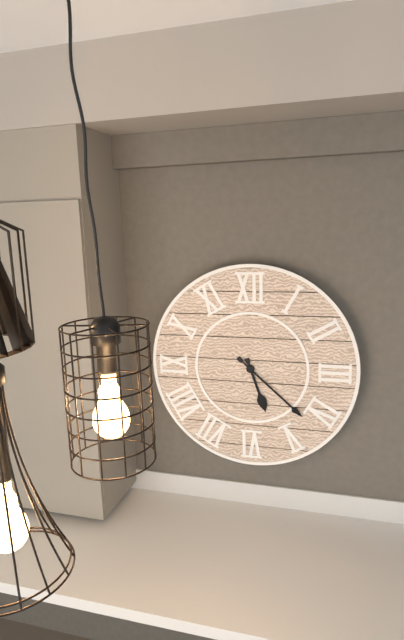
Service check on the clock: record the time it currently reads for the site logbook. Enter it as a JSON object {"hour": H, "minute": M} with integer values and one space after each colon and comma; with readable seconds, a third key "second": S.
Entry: {"hour": 5, "minute": 22}
